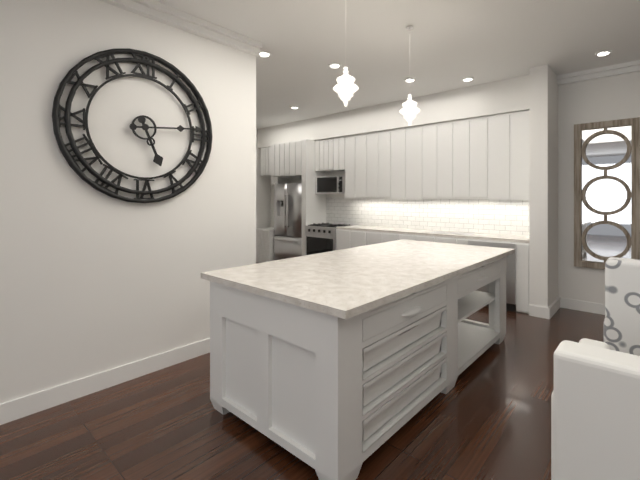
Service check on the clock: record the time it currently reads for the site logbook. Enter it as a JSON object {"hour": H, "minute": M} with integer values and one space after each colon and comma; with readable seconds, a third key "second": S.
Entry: {"hour": 5, "minute": 14}
